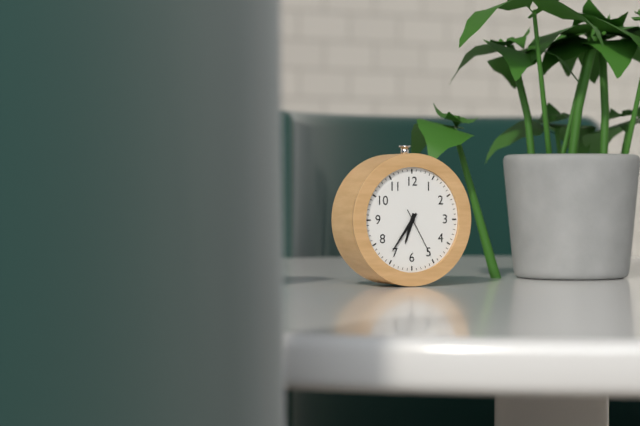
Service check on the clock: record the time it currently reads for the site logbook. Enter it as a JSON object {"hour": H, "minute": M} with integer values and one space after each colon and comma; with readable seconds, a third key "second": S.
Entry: {"hour": 6, "minute": 36, "second": 25}
